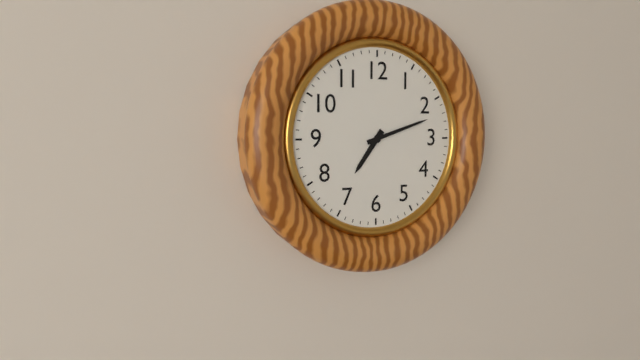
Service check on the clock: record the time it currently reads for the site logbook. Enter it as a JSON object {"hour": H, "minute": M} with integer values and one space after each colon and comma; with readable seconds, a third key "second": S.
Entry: {"hour": 7, "minute": 12}
